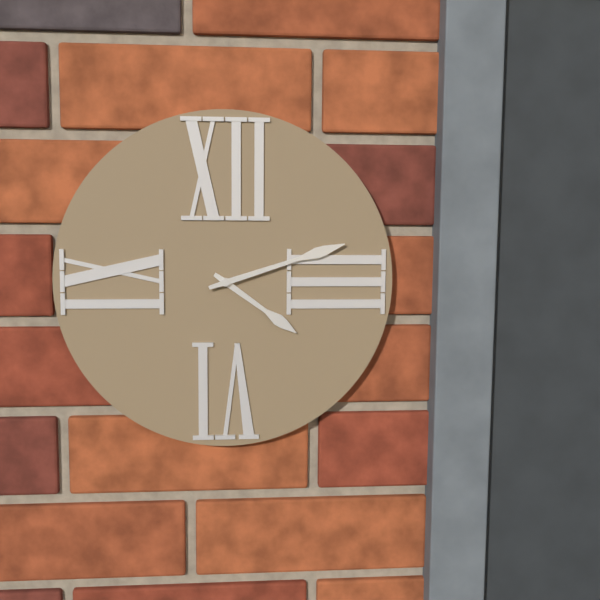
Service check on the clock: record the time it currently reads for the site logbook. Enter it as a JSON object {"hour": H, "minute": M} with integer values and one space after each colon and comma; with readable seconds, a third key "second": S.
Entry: {"hour": 4, "minute": 12}
